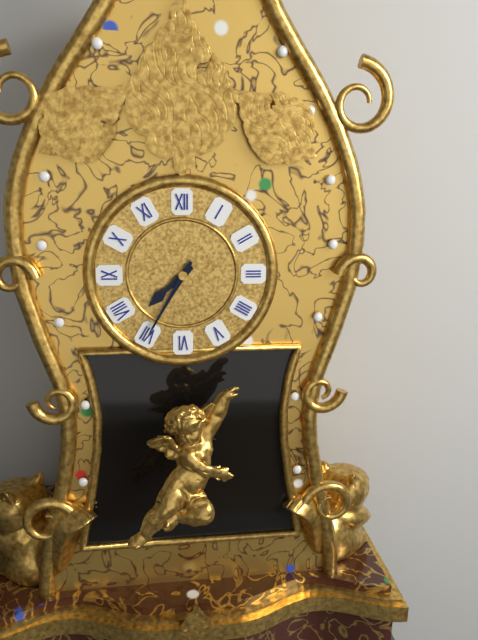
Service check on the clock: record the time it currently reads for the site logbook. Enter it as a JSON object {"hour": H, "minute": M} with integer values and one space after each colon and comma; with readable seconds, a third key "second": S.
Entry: {"hour": 7, "minute": 35}
